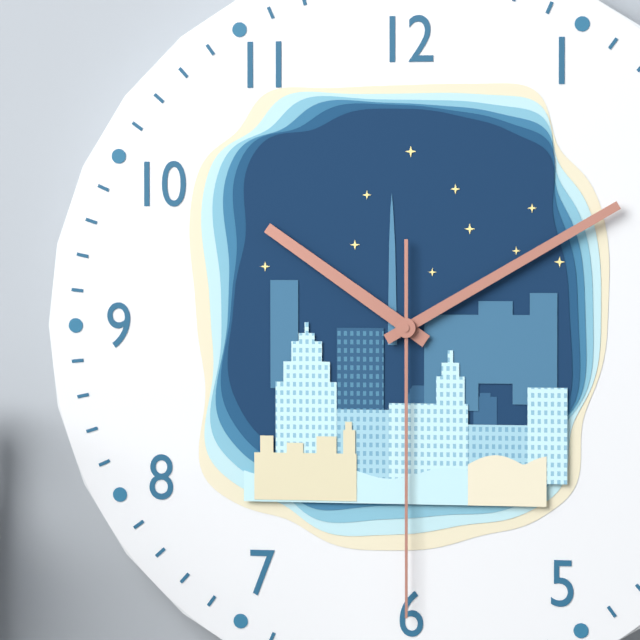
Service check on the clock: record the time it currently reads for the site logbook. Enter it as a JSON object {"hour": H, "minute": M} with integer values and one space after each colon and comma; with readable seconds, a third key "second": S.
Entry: {"hour": 10, "minute": 10, "second": 30}
